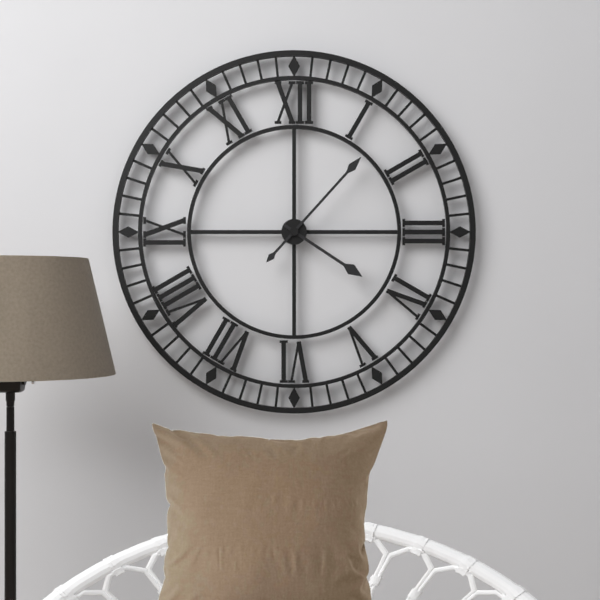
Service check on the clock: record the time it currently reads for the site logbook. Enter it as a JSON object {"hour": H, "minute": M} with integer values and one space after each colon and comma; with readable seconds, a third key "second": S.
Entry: {"hour": 4, "minute": 7}
